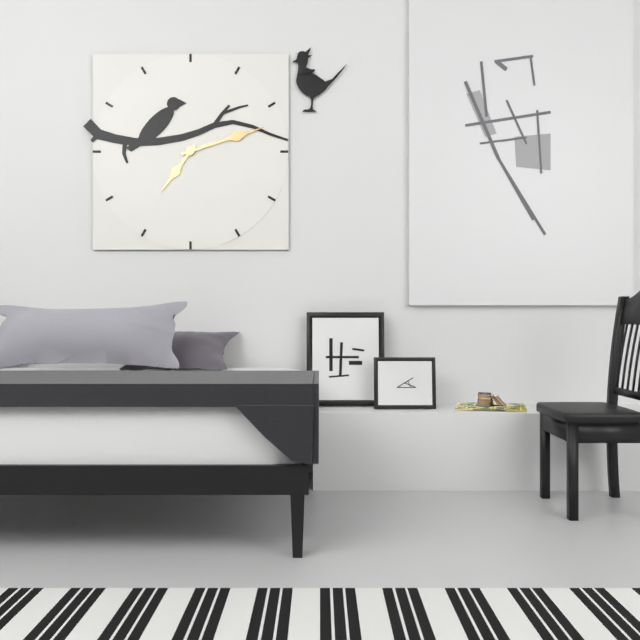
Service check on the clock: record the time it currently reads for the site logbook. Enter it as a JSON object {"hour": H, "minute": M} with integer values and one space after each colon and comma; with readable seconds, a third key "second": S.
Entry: {"hour": 7, "minute": 12}
